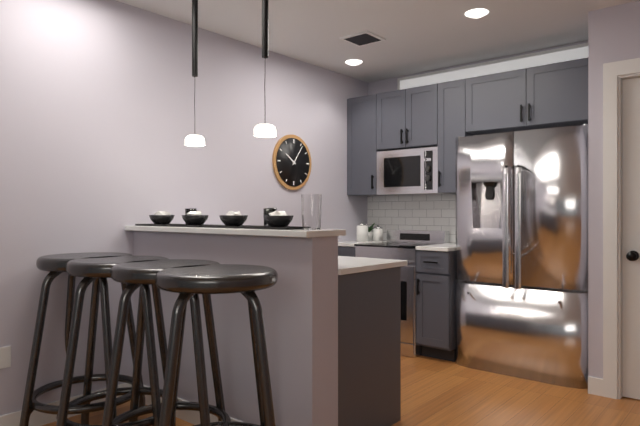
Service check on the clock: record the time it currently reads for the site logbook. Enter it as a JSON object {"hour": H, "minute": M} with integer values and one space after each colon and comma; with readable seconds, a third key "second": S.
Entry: {"hour": 10, "minute": 6}
